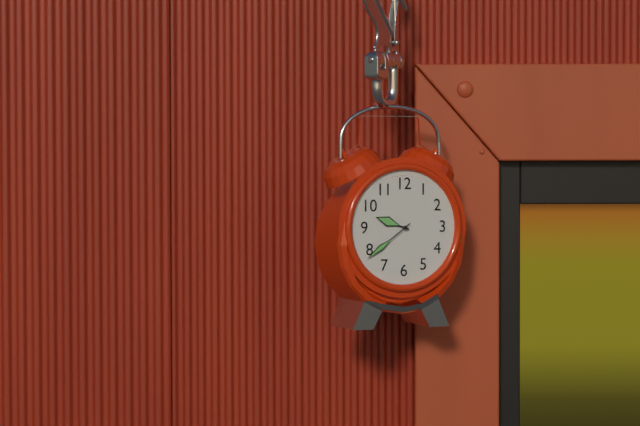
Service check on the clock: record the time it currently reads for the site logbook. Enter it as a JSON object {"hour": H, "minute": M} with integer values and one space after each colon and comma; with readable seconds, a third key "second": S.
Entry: {"hour": 9, "minute": 39}
